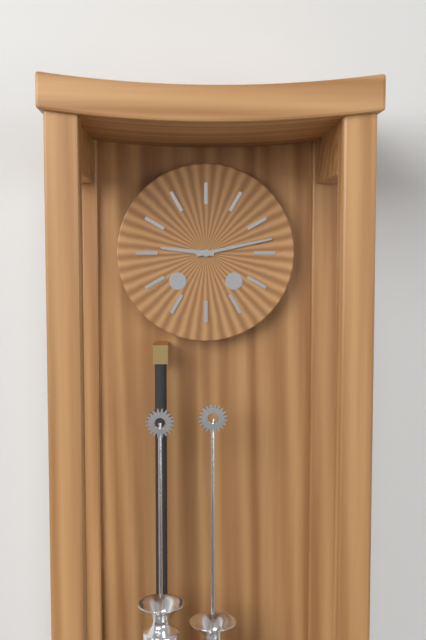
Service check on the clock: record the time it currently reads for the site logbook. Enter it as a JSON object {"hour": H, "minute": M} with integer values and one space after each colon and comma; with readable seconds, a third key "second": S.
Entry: {"hour": 9, "minute": 13}
